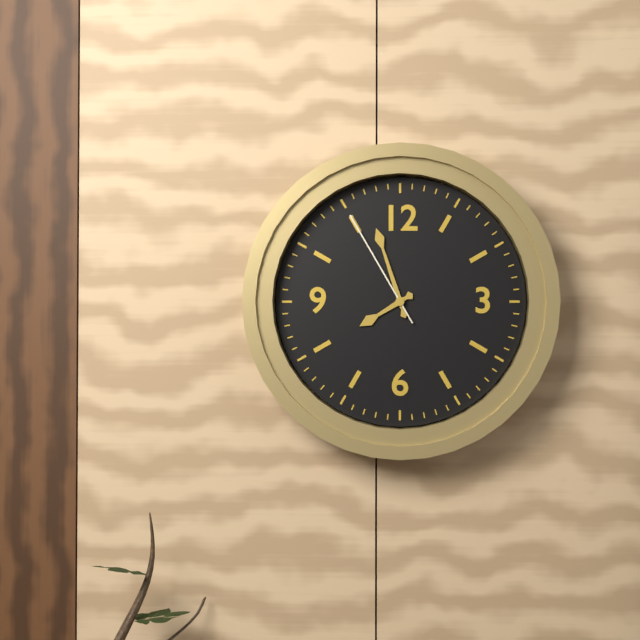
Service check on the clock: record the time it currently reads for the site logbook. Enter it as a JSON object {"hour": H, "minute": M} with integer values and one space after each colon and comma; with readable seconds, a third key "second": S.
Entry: {"hour": 7, "minute": 57, "second": 55}
